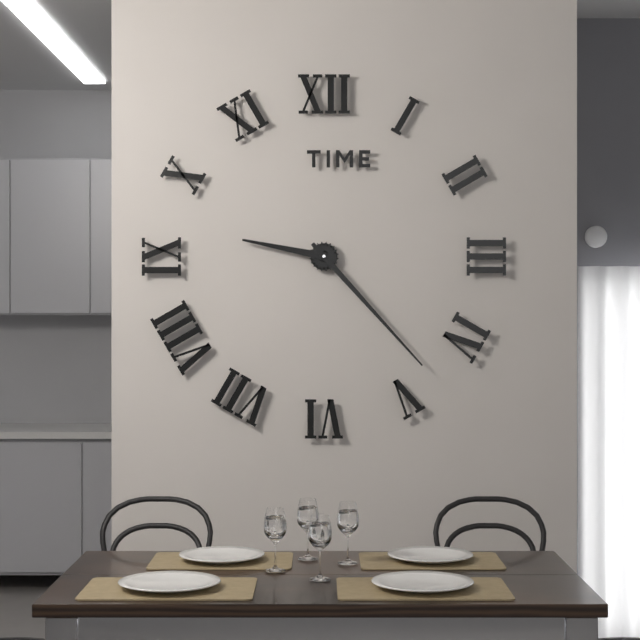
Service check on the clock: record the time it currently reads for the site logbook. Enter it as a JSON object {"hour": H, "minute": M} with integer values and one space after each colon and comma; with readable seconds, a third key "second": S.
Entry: {"hour": 9, "minute": 23}
